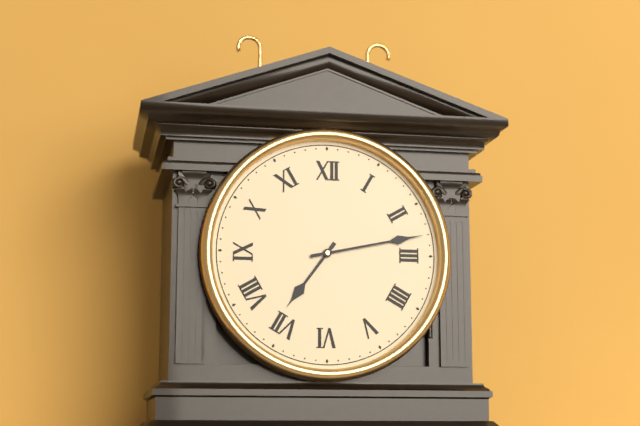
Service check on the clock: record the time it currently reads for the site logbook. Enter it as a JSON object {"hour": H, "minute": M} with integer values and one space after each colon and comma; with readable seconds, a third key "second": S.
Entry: {"hour": 7, "minute": 13}
